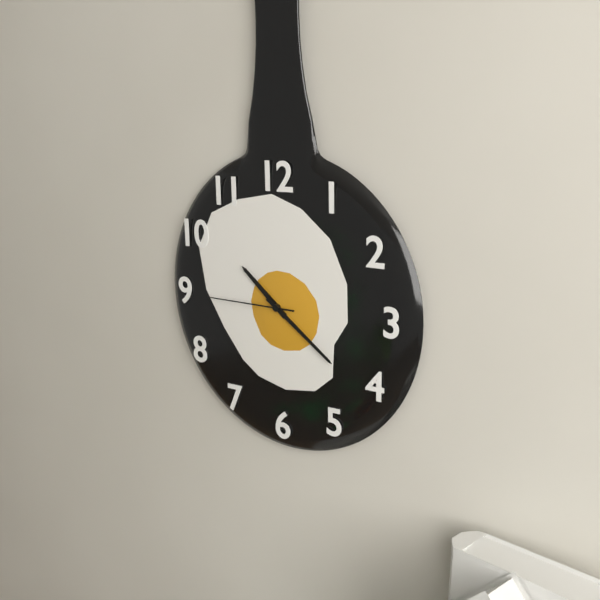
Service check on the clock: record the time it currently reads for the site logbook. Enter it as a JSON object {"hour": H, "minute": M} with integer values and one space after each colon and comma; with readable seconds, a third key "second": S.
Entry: {"hour": 10, "minute": 21, "second": 45}
